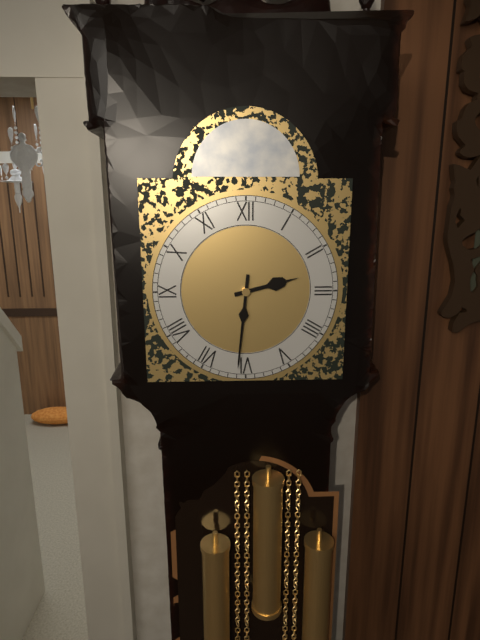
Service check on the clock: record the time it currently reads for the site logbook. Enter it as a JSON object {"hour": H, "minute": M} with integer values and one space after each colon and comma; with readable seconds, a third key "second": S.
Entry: {"hour": 2, "minute": 31}
